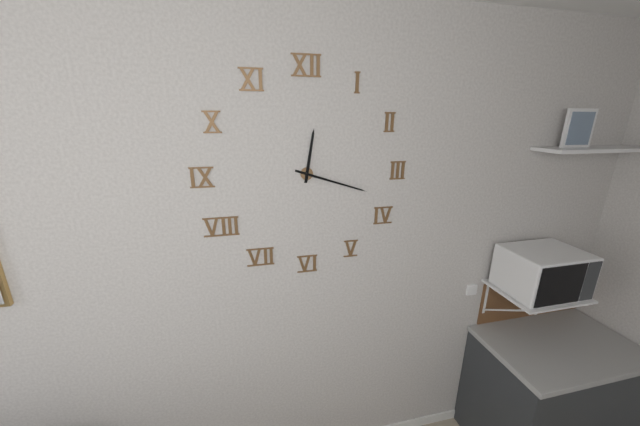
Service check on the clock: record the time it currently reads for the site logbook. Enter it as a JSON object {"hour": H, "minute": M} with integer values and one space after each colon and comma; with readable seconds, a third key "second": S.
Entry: {"hour": 12, "minute": 18}
